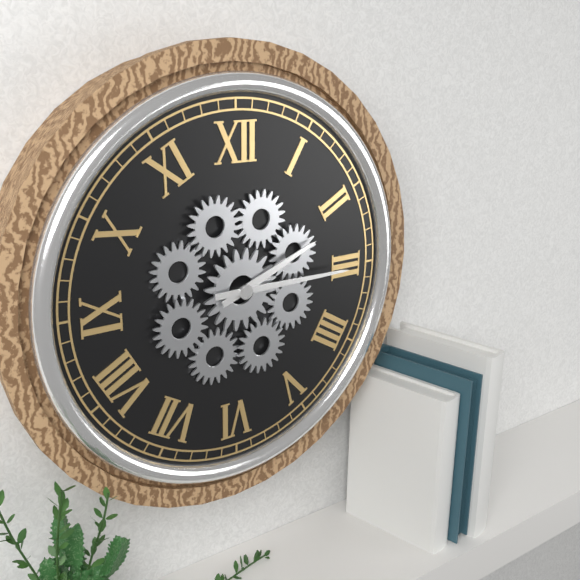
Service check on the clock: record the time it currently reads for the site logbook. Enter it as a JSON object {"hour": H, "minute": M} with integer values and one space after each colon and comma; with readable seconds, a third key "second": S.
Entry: {"hour": 2, "minute": 15}
